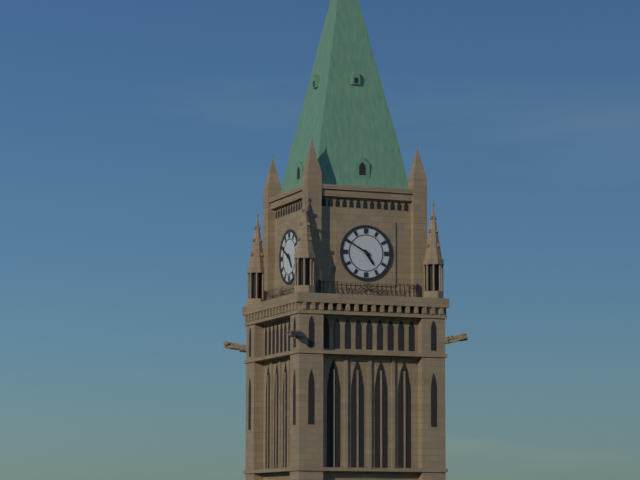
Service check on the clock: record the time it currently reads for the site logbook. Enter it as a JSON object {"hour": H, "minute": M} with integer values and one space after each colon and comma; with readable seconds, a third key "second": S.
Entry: {"hour": 4, "minute": 50}
